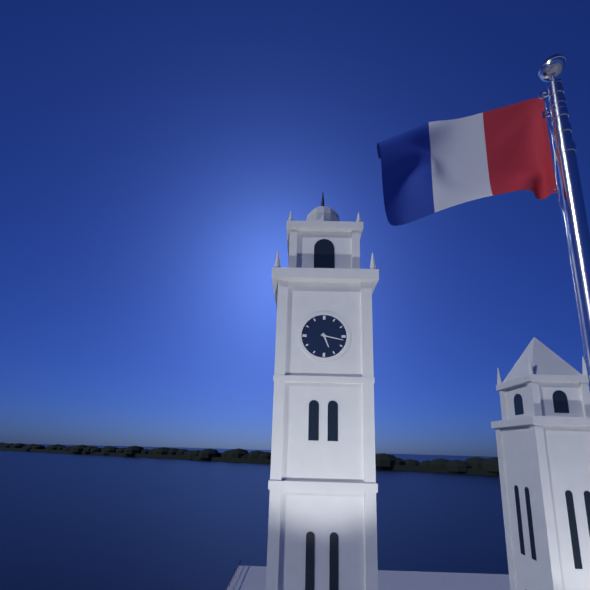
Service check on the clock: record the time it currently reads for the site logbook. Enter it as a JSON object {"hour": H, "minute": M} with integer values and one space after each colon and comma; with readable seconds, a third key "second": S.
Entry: {"hour": 5, "minute": 17}
